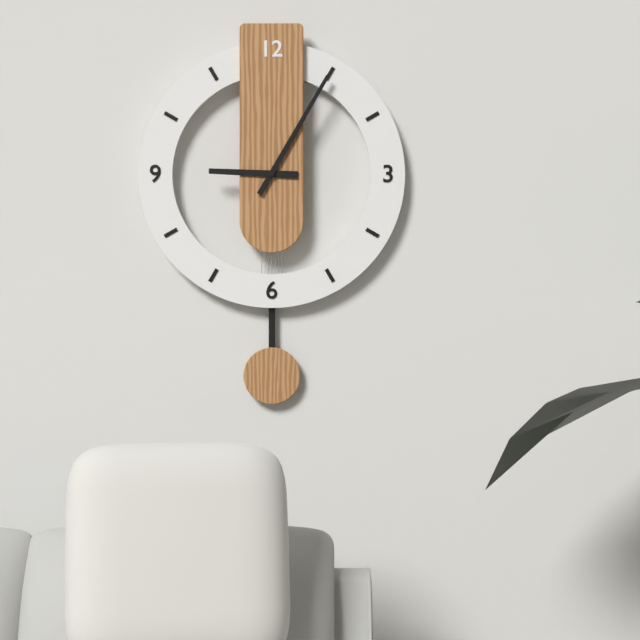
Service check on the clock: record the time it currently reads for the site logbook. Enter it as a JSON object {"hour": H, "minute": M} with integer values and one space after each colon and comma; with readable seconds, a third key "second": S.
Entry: {"hour": 9, "minute": 5}
